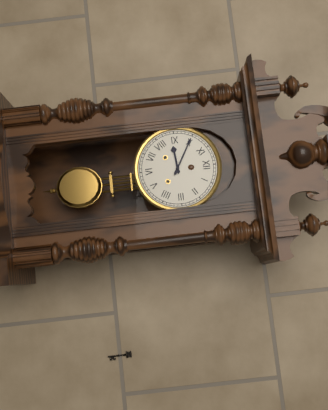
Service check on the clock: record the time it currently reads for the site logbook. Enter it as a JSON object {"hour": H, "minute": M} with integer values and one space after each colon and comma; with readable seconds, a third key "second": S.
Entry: {"hour": 8, "minute": 50}
